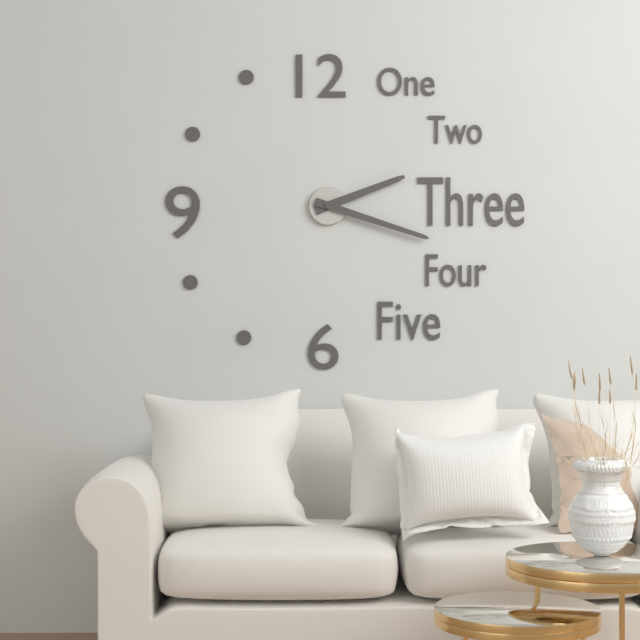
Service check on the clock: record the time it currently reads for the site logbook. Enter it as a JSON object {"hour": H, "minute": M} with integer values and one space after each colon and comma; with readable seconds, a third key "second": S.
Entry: {"hour": 2, "minute": 18}
